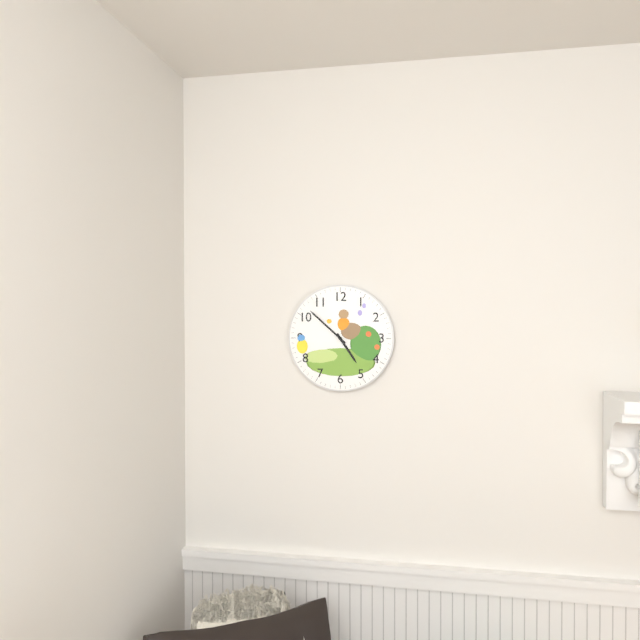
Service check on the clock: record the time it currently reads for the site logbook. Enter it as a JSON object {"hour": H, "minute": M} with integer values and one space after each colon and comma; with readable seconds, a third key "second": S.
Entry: {"hour": 4, "minute": 52}
